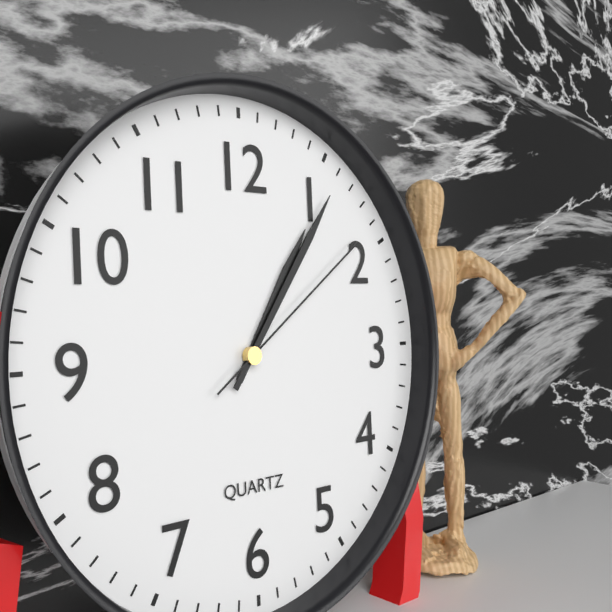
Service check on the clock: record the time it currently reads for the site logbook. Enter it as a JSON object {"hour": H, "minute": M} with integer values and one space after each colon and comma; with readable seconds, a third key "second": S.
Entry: {"hour": 1, "minute": 6, "second": 9}
